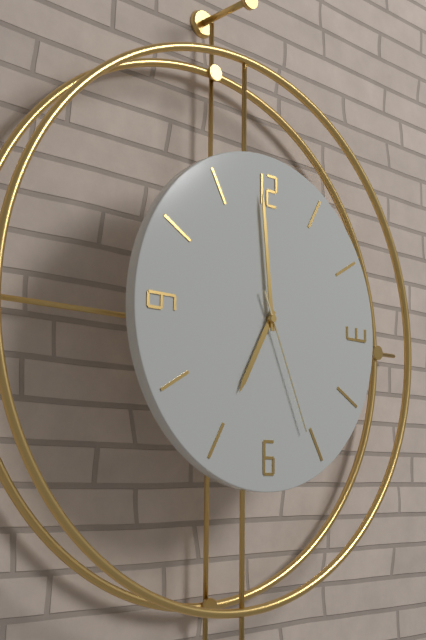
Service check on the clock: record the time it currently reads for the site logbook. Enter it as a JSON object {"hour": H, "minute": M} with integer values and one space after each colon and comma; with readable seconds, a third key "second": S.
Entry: {"hour": 6, "minute": 59, "second": 26}
